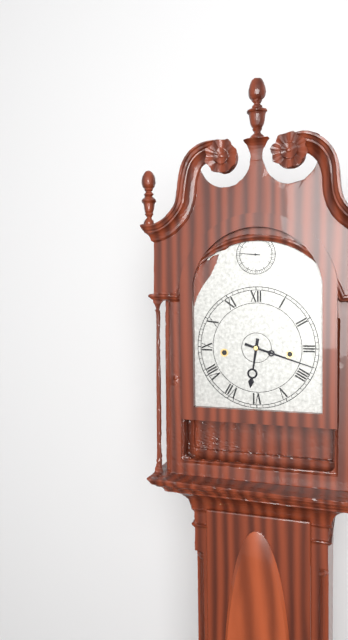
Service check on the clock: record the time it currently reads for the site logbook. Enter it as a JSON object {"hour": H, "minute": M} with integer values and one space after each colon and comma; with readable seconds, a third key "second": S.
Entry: {"hour": 6, "minute": 18}
